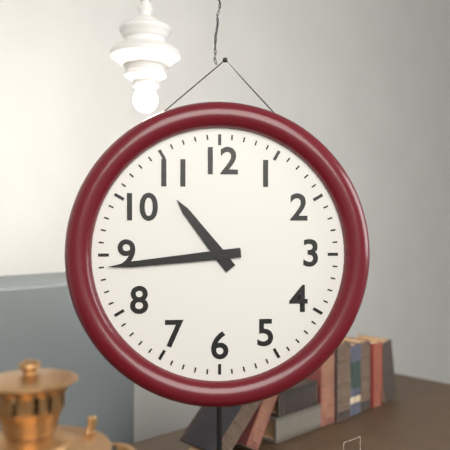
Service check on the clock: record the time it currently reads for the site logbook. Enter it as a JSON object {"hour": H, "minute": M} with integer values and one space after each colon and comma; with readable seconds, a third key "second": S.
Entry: {"hour": 10, "minute": 44}
